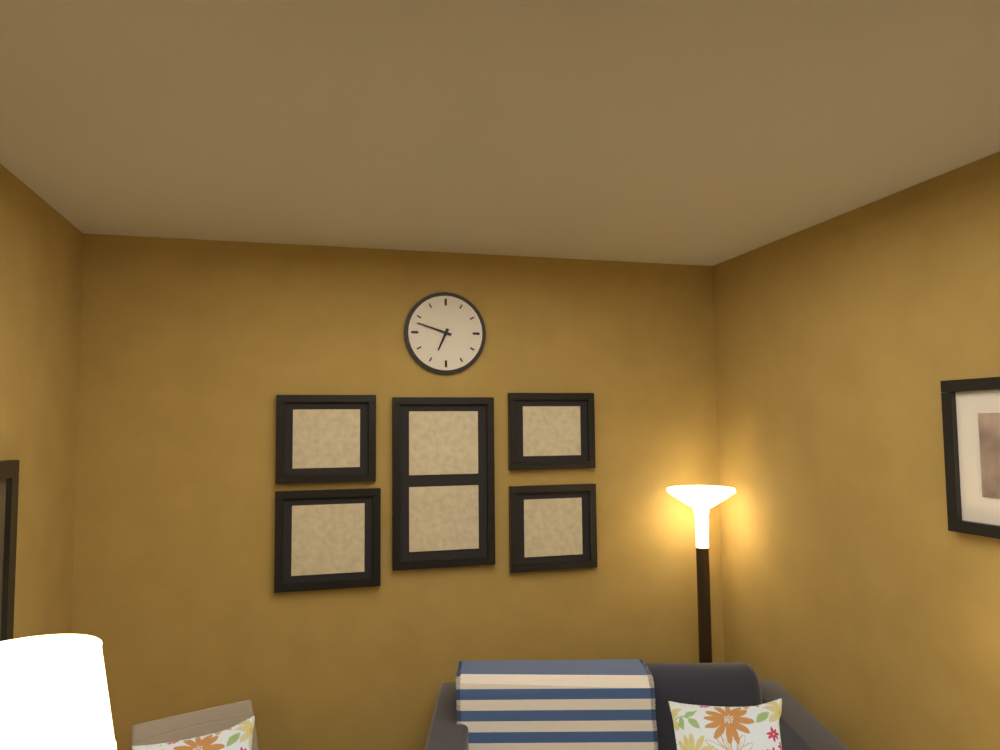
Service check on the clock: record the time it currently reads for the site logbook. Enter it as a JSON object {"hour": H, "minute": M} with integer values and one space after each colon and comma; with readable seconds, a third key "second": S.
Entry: {"hour": 6, "minute": 48}
